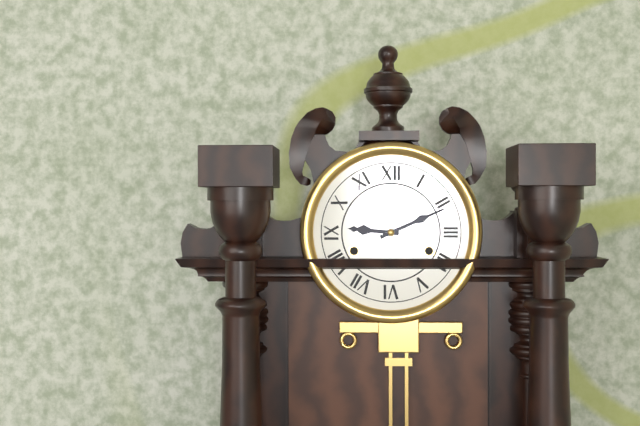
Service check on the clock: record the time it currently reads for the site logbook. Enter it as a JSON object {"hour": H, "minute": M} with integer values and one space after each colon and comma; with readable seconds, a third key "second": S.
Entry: {"hour": 9, "minute": 11}
